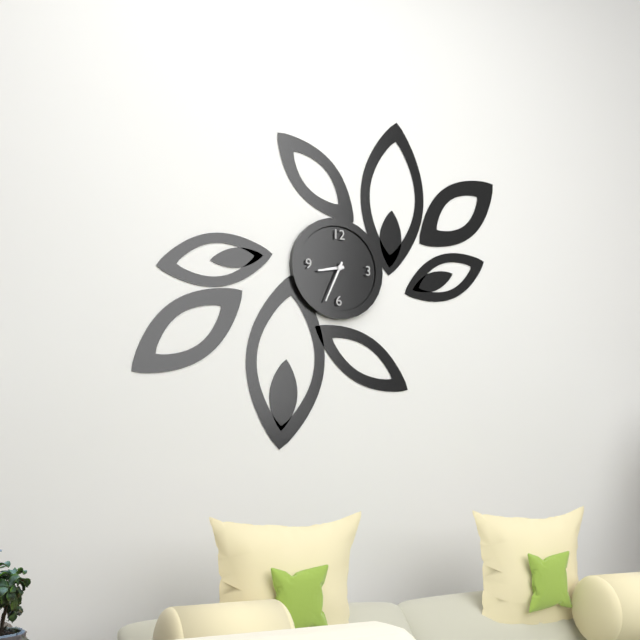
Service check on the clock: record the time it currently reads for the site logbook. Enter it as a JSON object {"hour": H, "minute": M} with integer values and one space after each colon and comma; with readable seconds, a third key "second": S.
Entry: {"hour": 8, "minute": 34}
